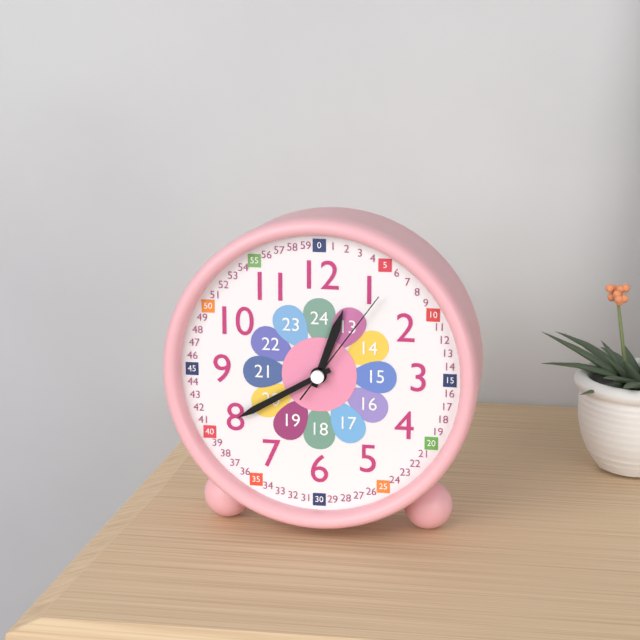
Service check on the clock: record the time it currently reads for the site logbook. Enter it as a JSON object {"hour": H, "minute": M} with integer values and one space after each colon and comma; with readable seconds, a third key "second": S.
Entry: {"hour": 12, "minute": 40, "second": 6}
